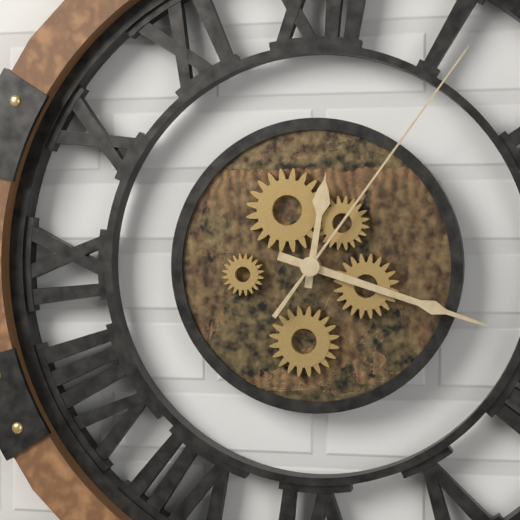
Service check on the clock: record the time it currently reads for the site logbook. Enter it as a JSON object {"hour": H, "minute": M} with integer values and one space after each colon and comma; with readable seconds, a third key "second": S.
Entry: {"hour": 12, "minute": 18, "second": 6}
